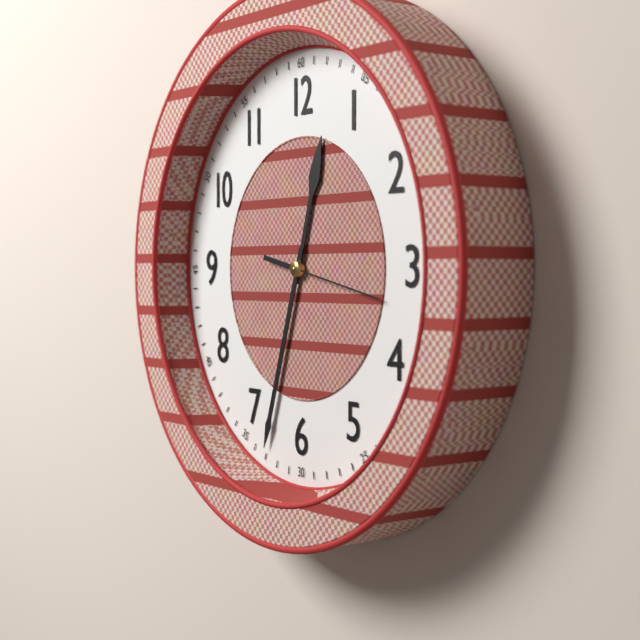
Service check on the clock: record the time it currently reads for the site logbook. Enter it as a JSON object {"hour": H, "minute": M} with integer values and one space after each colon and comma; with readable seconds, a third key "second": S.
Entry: {"hour": 12, "minute": 33, "second": 17}
